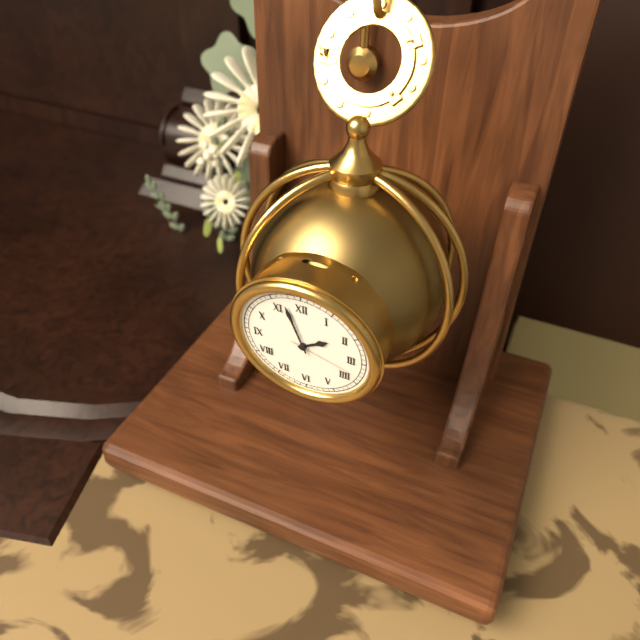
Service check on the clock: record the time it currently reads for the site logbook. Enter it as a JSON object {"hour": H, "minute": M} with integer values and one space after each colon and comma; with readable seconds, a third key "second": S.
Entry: {"hour": 1, "minute": 57, "second": 18}
